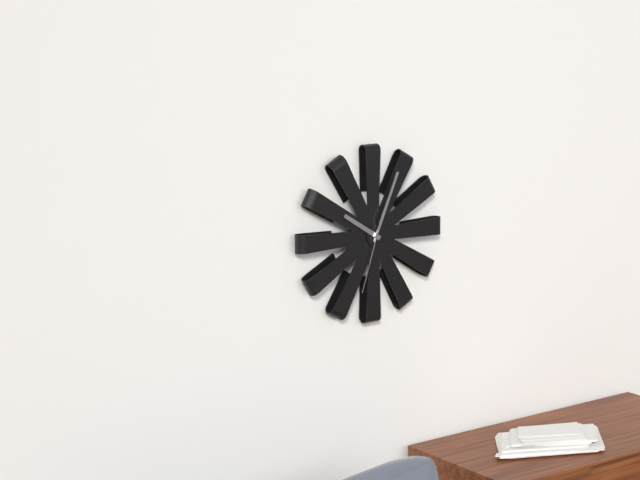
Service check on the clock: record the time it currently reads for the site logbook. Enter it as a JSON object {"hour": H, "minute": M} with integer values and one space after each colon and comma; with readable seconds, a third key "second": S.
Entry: {"hour": 10, "minute": 4, "second": 33}
